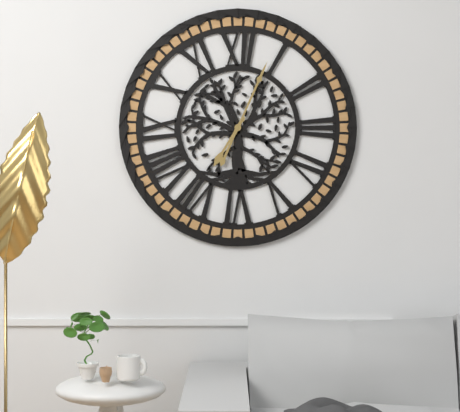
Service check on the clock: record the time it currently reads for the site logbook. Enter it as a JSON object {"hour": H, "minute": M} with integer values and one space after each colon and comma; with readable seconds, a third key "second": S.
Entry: {"hour": 7, "minute": 4}
